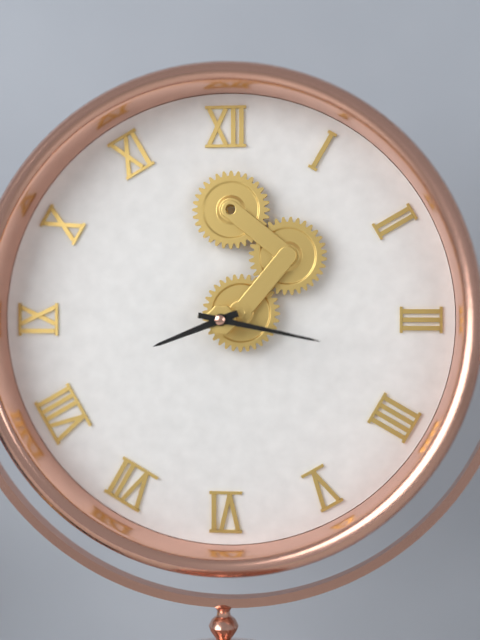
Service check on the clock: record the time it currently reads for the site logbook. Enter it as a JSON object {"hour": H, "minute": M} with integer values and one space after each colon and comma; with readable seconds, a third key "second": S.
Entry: {"hour": 8, "minute": 17}
